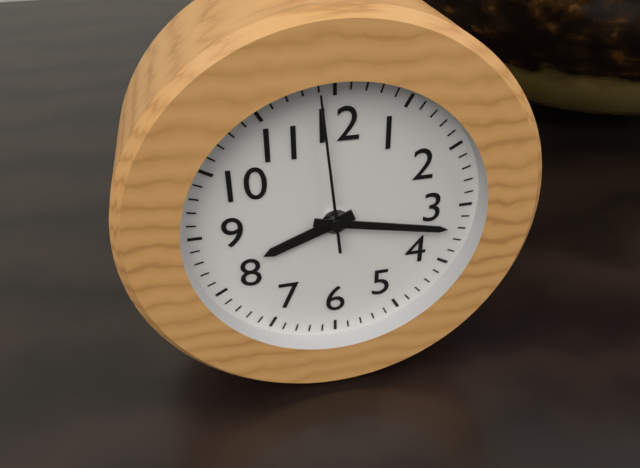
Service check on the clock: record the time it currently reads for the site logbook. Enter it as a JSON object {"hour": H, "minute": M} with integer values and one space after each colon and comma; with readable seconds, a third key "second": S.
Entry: {"hour": 8, "minute": 17, "second": 59}
